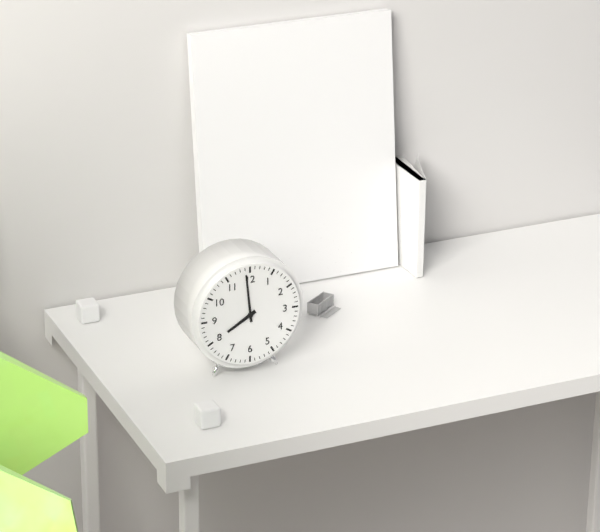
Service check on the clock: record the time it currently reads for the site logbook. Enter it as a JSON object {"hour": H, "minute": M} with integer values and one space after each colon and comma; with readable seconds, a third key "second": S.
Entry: {"hour": 7, "minute": 59}
